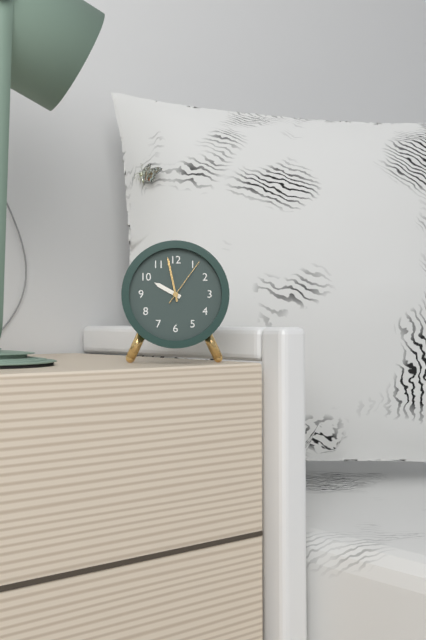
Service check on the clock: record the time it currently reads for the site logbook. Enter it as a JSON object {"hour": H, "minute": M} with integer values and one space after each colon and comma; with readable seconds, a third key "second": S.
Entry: {"hour": 9, "minute": 58, "second": 6}
